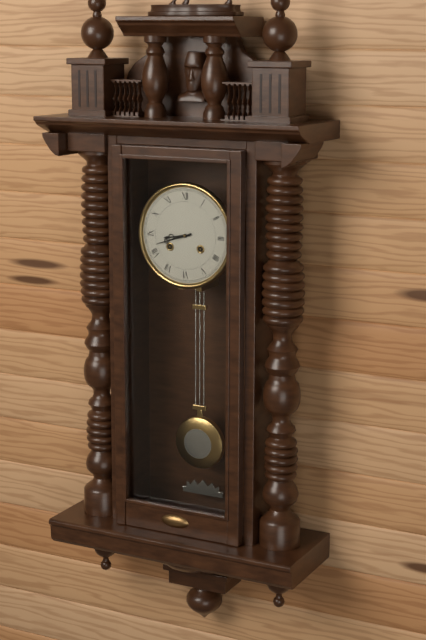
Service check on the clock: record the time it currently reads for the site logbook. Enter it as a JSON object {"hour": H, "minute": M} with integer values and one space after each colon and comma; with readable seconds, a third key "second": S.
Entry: {"hour": 8, "minute": 42}
